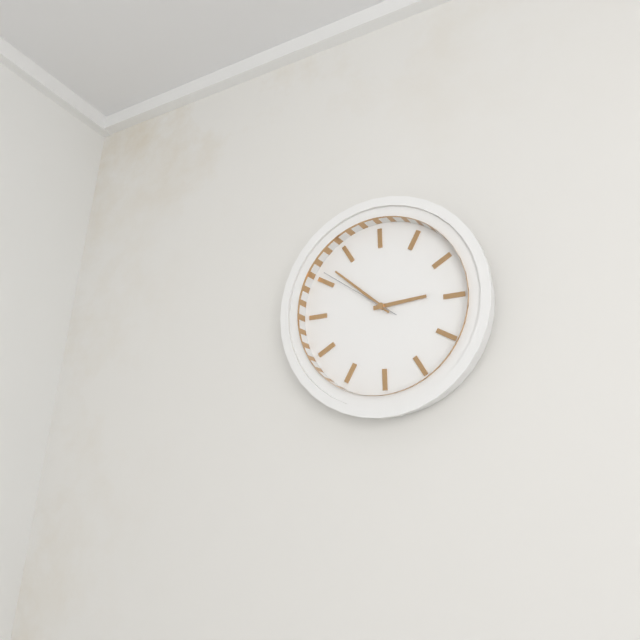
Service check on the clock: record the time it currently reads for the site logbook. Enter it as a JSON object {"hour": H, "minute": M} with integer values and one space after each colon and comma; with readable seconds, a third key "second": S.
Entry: {"hour": 2, "minute": 52, "second": 51}
